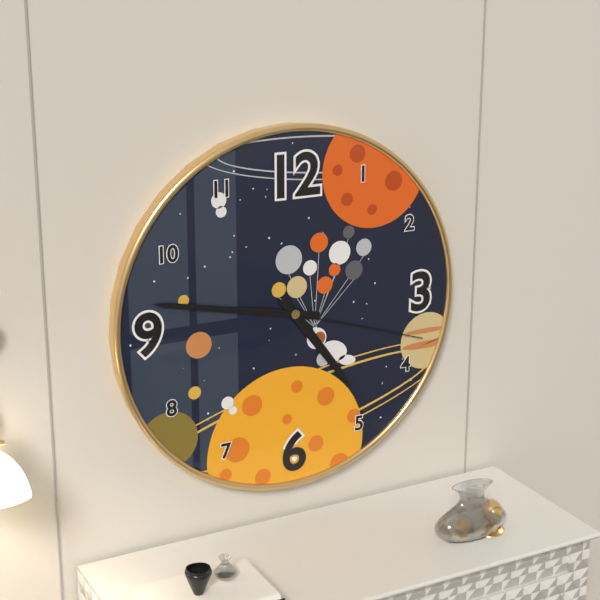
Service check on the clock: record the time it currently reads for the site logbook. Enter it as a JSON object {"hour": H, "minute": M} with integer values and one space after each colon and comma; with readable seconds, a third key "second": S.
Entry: {"hour": 4, "minute": 47, "second": 18}
